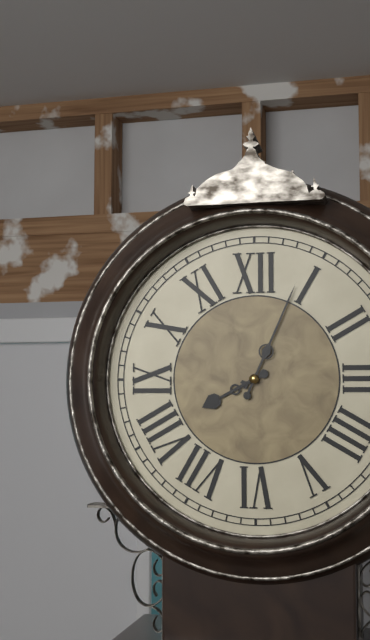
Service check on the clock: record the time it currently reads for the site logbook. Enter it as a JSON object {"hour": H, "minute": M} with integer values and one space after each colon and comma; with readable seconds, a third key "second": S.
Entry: {"hour": 8, "minute": 4}
